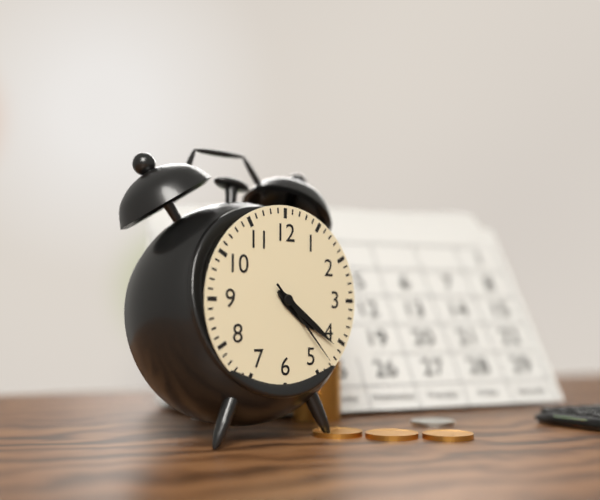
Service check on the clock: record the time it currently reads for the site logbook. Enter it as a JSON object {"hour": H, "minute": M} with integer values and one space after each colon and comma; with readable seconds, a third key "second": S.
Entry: {"hour": 4, "minute": 21, "second": 23}
